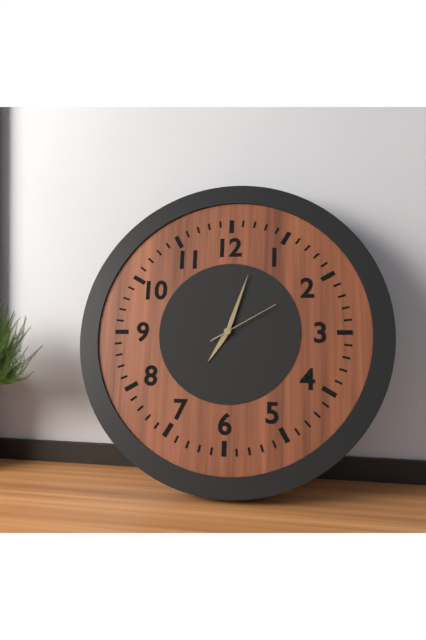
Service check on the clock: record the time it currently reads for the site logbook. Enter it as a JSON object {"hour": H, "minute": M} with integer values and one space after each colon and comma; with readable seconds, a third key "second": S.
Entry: {"hour": 7, "minute": 3, "second": 10}
